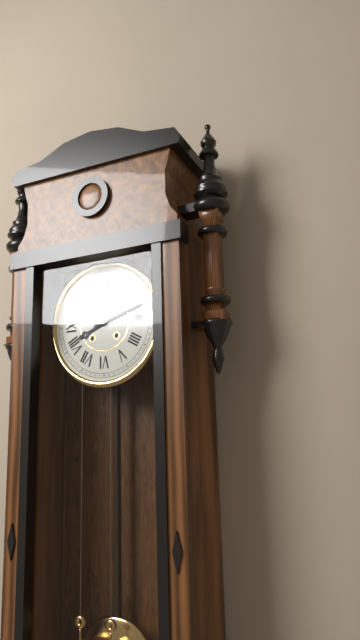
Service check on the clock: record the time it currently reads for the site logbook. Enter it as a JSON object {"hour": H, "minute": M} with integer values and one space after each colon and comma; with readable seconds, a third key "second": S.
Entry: {"hour": 8, "minute": 12}
